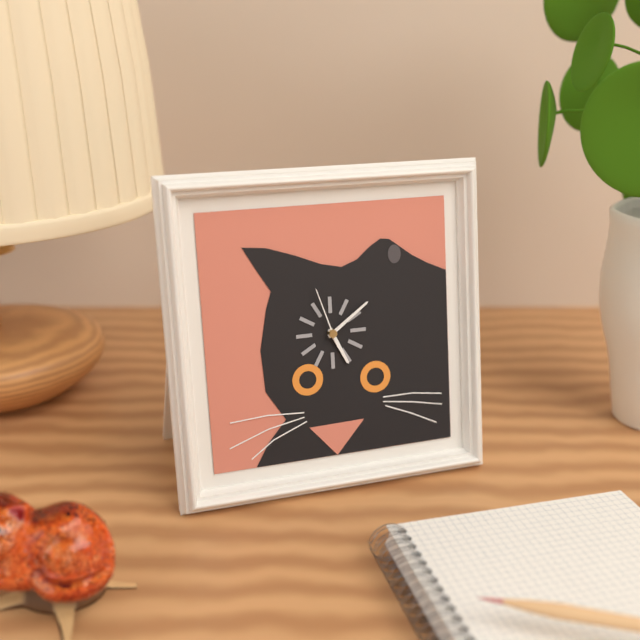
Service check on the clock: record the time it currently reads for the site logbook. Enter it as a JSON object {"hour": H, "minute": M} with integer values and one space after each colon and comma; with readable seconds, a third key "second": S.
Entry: {"hour": 5, "minute": 9, "second": 57}
